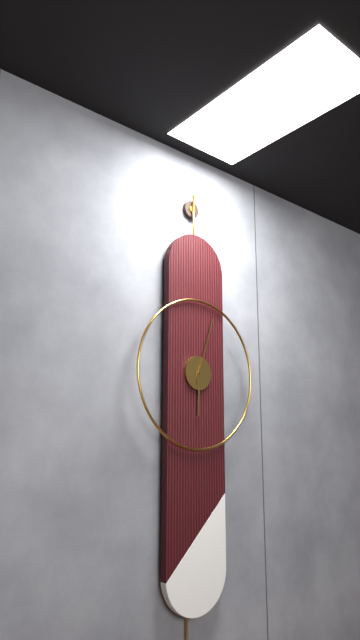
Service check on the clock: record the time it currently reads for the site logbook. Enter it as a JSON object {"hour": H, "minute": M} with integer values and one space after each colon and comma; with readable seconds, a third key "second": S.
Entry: {"hour": 6, "minute": 3}
